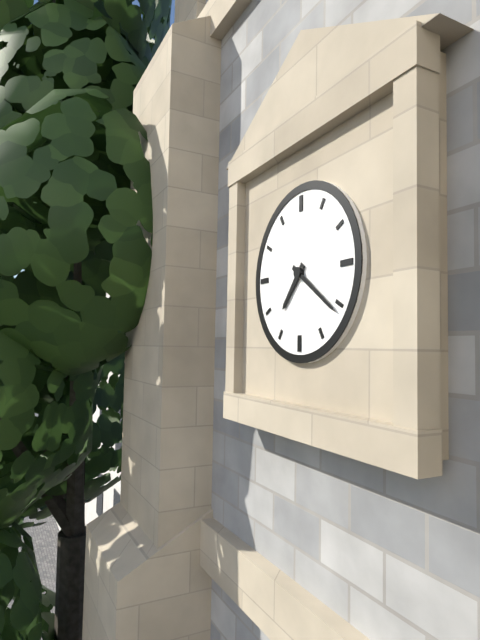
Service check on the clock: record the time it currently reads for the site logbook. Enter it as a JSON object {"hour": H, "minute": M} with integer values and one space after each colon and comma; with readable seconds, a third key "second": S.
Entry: {"hour": 7, "minute": 21}
